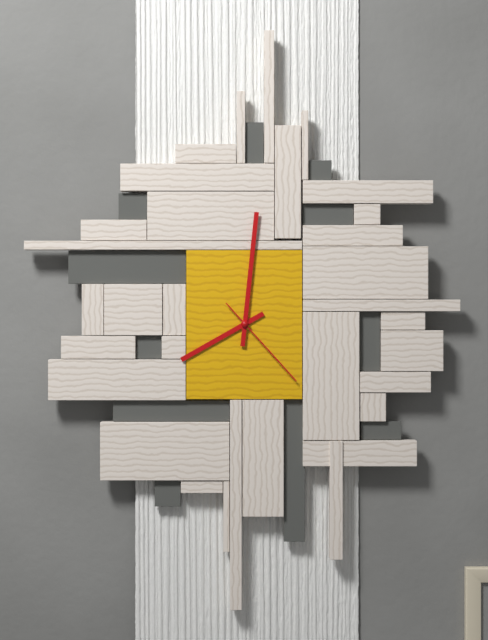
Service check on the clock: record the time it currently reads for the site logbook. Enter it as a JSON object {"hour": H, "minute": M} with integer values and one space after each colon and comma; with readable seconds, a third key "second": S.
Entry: {"hour": 8, "minute": 1, "second": 23}
